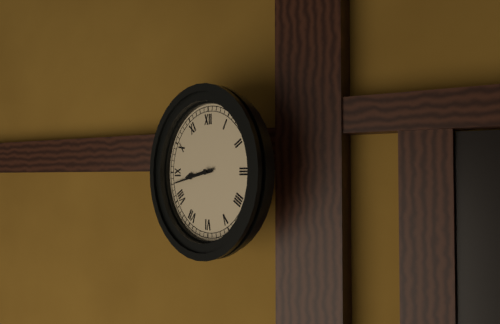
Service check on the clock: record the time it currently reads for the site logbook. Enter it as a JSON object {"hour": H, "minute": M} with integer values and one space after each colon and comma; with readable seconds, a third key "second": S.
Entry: {"hour": 8, "minute": 43}
